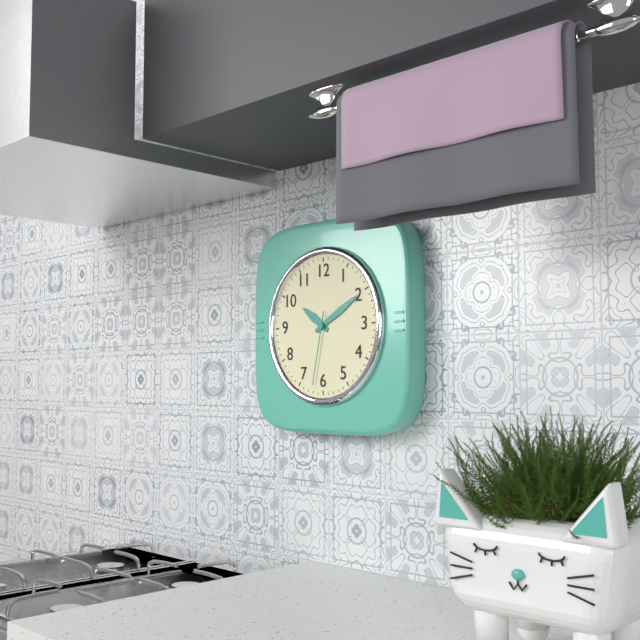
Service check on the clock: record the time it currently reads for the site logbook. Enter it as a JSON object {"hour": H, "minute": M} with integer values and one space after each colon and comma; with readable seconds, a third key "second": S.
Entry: {"hour": 10, "minute": 10, "second": 32}
